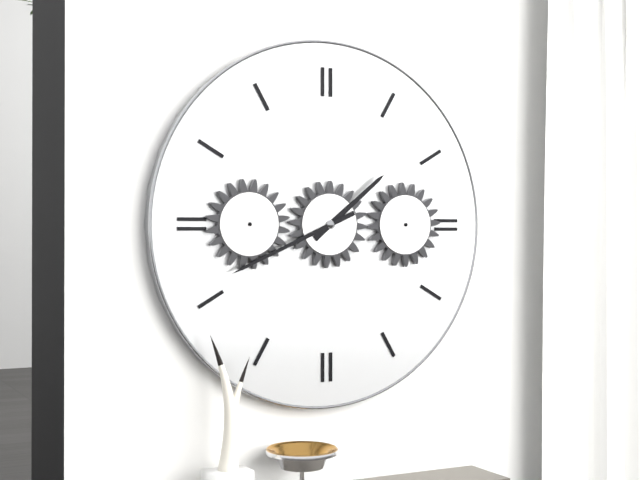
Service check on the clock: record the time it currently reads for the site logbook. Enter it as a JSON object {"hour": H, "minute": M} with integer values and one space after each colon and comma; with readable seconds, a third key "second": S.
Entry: {"hour": 1, "minute": 41}
